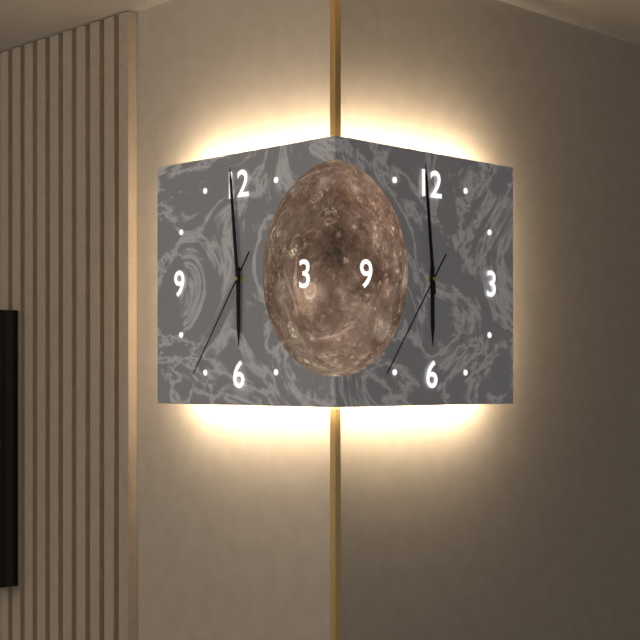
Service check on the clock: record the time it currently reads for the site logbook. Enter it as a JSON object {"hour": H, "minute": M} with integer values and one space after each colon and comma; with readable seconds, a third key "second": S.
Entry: {"hour": 5, "minute": 59, "second": 36}
